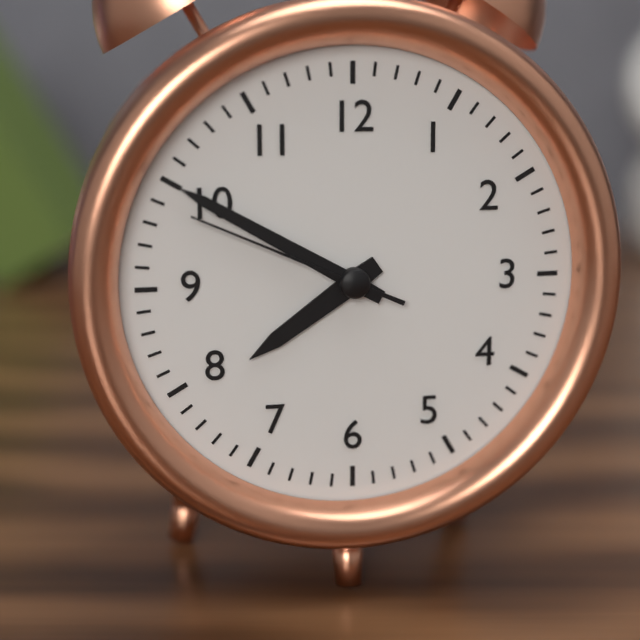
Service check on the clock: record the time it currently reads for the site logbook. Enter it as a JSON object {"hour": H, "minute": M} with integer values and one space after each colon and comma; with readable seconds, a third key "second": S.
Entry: {"hour": 7, "minute": 50, "second": 49}
